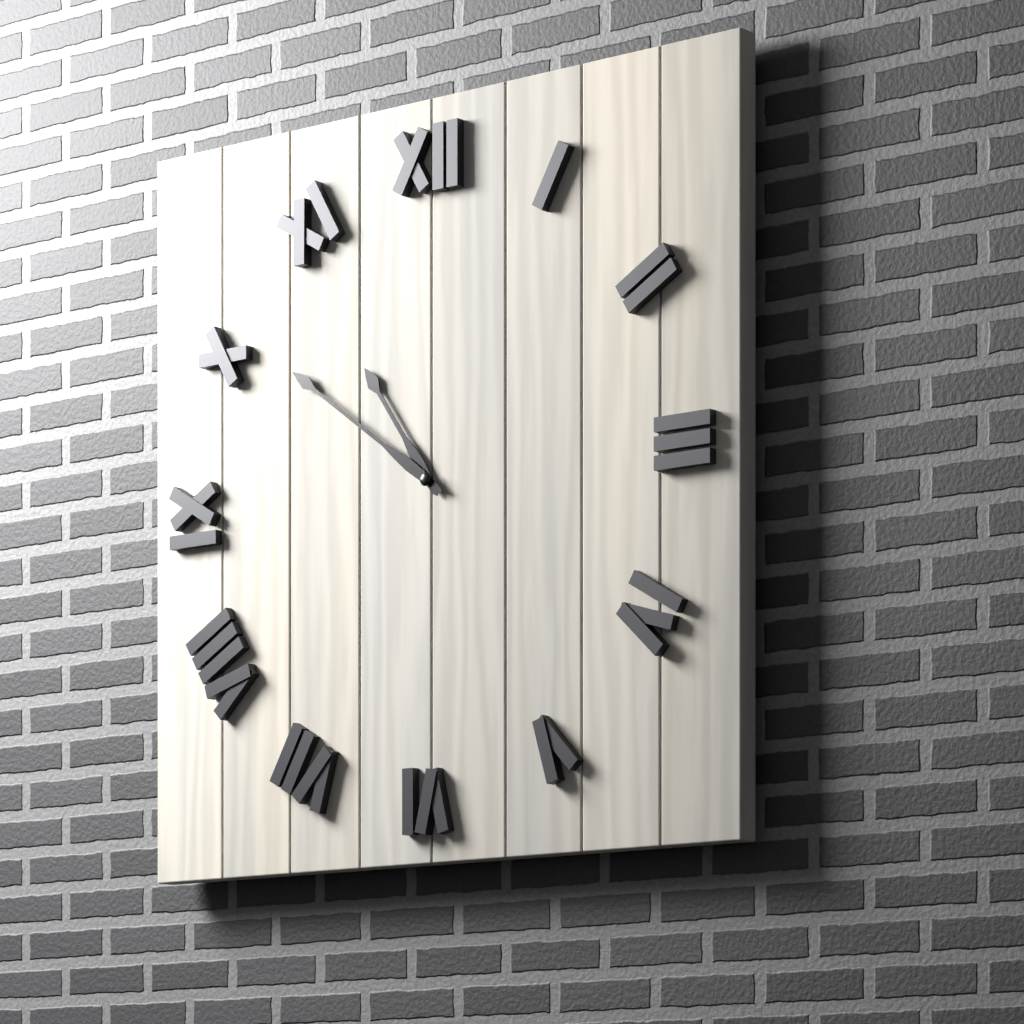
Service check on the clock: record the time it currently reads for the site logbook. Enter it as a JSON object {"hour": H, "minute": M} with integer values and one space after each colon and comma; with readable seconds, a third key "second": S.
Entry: {"hour": 10, "minute": 51}
